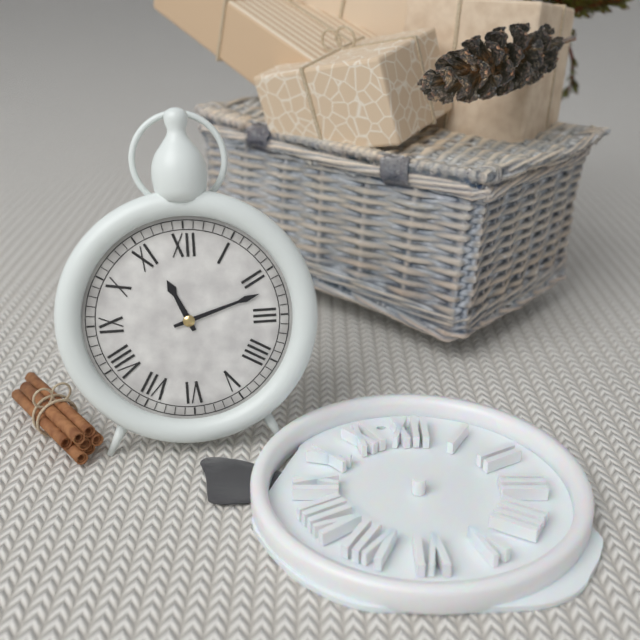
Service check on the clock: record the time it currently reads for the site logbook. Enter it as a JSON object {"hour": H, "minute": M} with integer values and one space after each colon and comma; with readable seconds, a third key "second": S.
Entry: {"hour": 11, "minute": 12}
